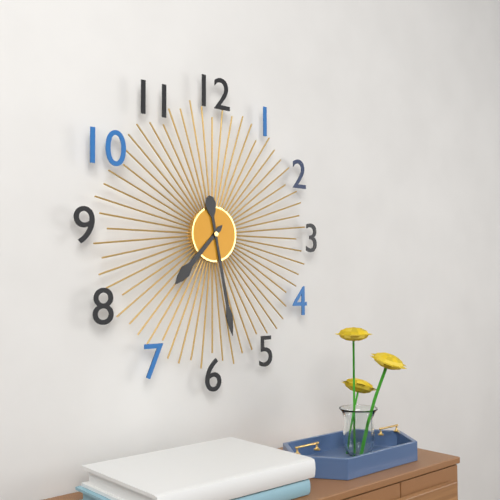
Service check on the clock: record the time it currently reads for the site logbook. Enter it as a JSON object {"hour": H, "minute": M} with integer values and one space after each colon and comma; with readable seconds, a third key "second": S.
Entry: {"hour": 7, "minute": 28}
